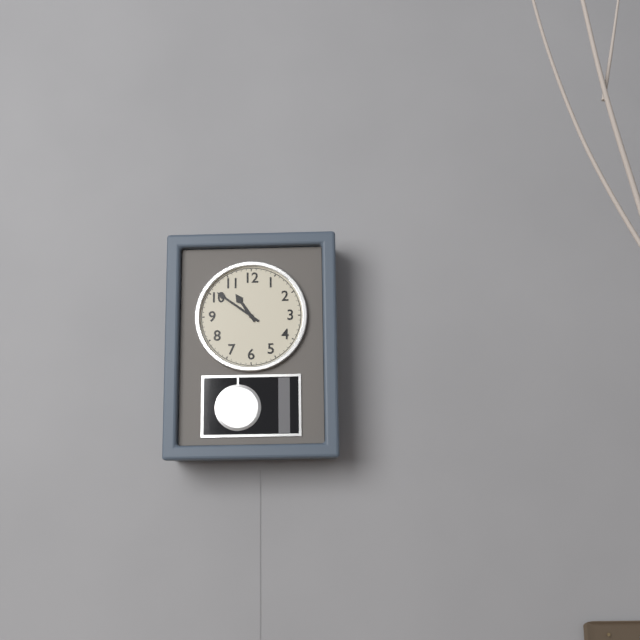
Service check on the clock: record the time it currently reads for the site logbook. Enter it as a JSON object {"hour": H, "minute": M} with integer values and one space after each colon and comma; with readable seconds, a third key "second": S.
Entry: {"hour": 10, "minute": 51}
